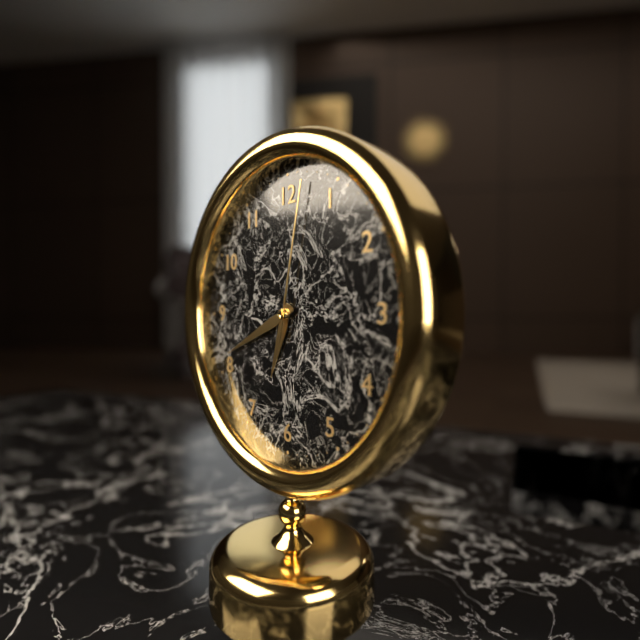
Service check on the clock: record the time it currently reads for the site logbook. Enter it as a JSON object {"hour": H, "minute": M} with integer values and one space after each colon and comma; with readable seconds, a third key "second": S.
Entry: {"hour": 6, "minute": 41, "second": 2}
